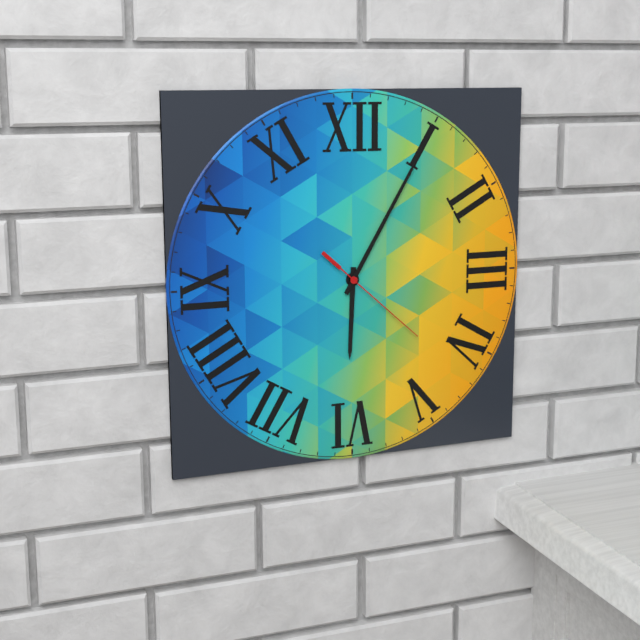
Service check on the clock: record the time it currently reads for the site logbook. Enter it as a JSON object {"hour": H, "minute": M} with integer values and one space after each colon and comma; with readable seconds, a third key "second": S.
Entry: {"hour": 6, "minute": 5, "second": 22}
